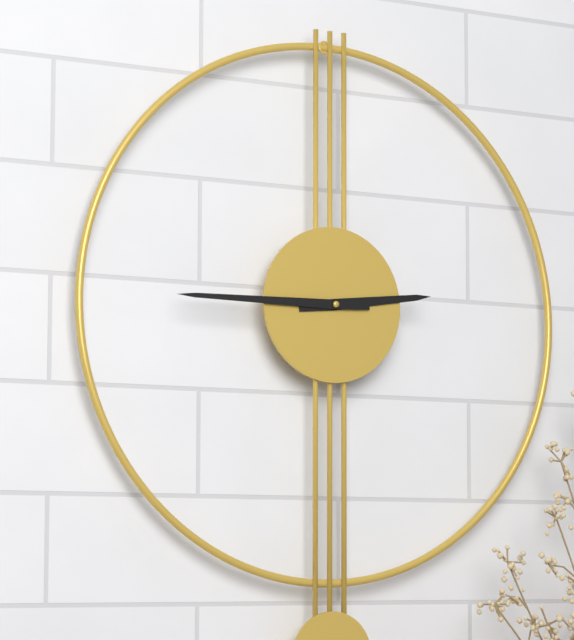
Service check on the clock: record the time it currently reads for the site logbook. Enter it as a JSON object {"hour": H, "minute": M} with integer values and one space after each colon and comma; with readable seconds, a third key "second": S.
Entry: {"hour": 2, "minute": 45}
